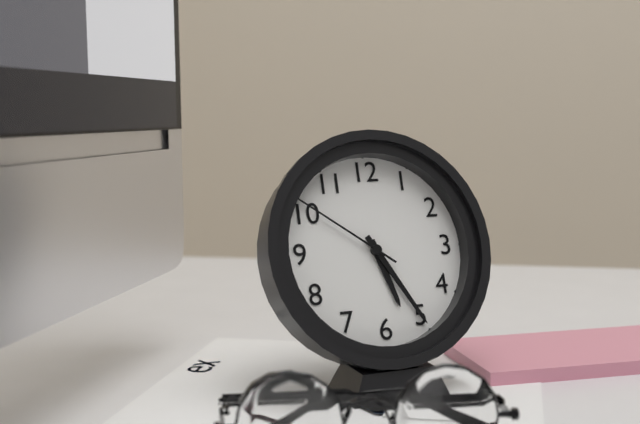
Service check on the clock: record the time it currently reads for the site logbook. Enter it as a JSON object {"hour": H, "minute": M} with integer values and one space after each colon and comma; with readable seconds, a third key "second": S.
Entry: {"hour": 5, "minute": 25, "second": 51}
